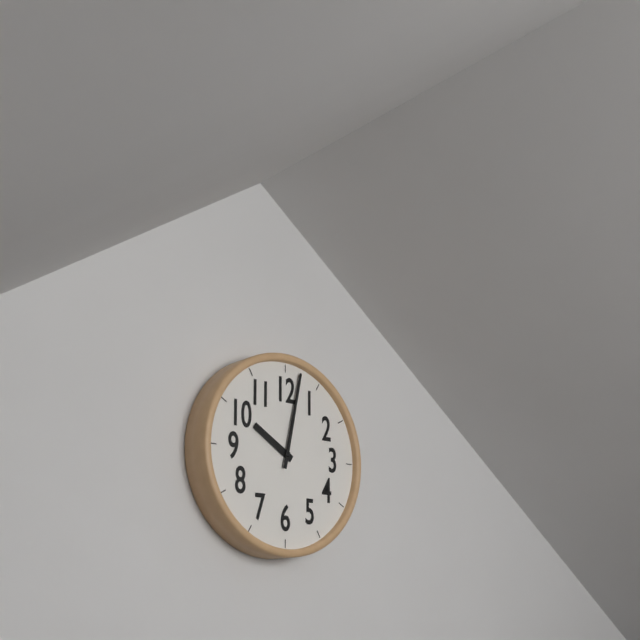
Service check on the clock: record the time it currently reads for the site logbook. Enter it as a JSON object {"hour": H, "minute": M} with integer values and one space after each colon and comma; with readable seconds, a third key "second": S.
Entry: {"hour": 10, "minute": 2}
